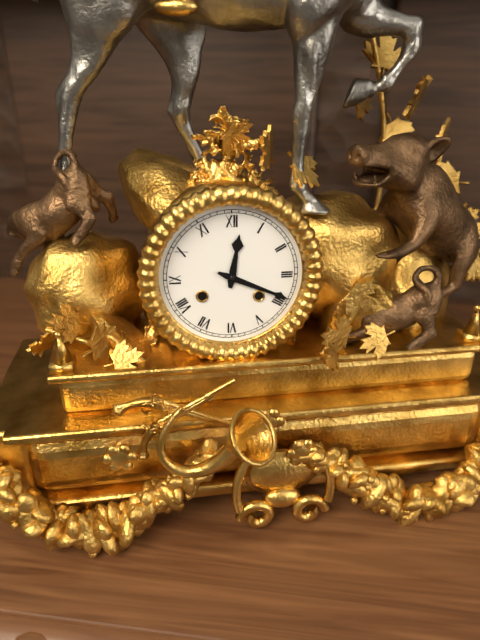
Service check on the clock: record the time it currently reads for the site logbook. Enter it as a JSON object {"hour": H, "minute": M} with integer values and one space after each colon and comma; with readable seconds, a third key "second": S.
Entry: {"hour": 12, "minute": 19}
